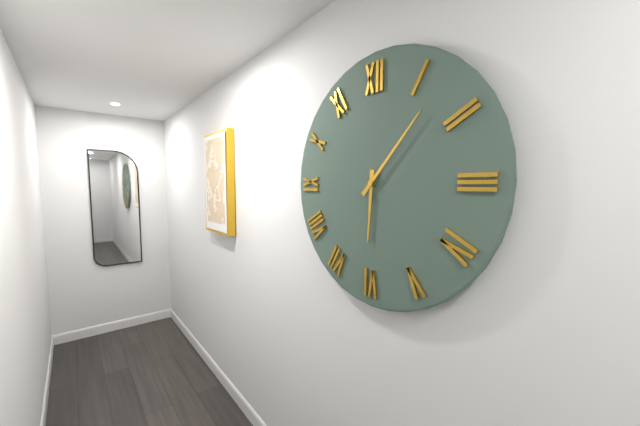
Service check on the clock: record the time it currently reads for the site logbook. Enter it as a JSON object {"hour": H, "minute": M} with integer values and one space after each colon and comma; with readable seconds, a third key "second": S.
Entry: {"hour": 6, "minute": 7}
